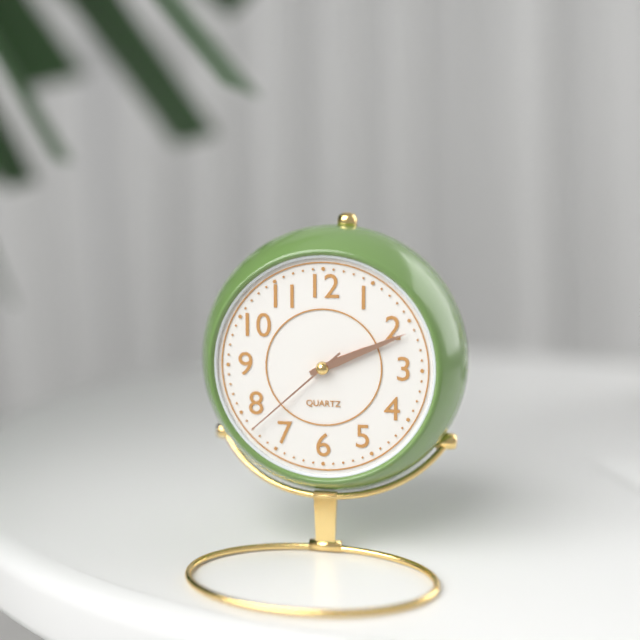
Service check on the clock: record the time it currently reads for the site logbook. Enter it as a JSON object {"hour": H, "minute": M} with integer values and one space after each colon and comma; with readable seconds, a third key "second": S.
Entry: {"hour": 2, "minute": 11, "second": 38}
